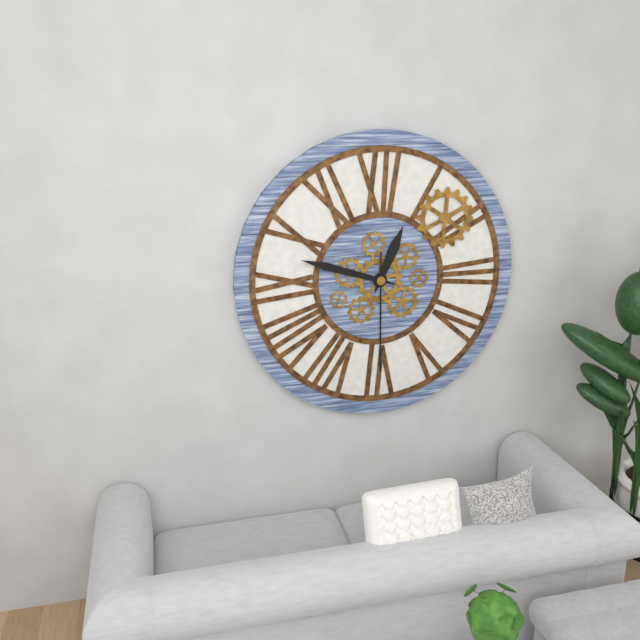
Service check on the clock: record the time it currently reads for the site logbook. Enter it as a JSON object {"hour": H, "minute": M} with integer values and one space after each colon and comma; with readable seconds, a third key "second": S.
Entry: {"hour": 12, "minute": 48, "second": 30}
